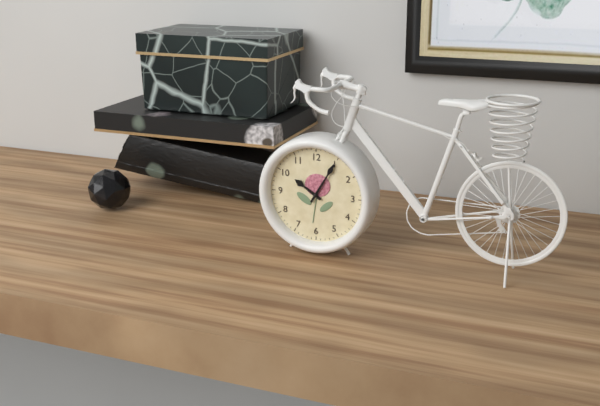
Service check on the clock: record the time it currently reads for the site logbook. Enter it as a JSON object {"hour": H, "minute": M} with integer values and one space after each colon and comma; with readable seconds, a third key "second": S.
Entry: {"hour": 10, "minute": 5}
